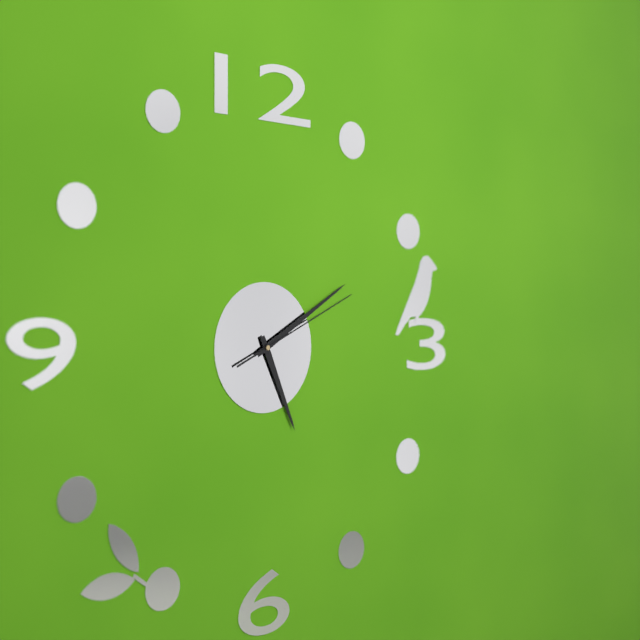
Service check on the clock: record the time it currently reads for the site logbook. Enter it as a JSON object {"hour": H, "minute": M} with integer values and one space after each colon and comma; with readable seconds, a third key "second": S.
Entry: {"hour": 5, "minute": 10, "second": 11}
